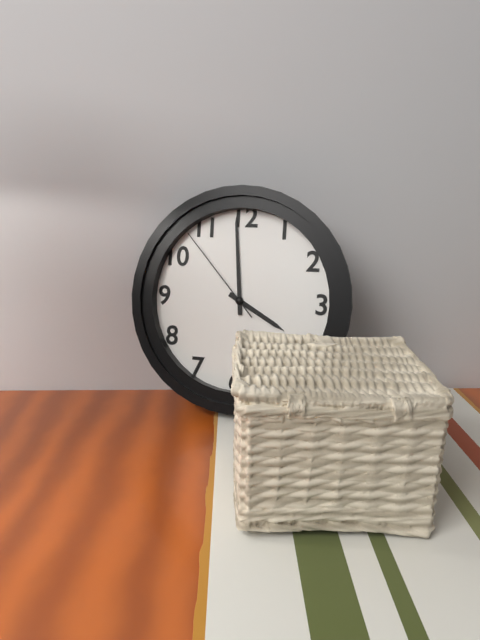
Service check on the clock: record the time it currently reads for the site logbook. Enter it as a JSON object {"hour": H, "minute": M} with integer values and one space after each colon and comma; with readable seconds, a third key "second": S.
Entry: {"hour": 3, "minute": 59, "second": 53}
